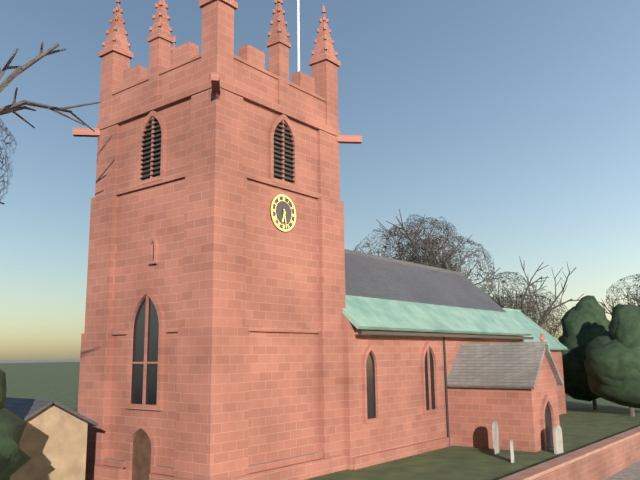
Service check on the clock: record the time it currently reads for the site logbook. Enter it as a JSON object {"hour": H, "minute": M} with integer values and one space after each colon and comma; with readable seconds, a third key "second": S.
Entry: {"hour": 6, "minute": 28}
